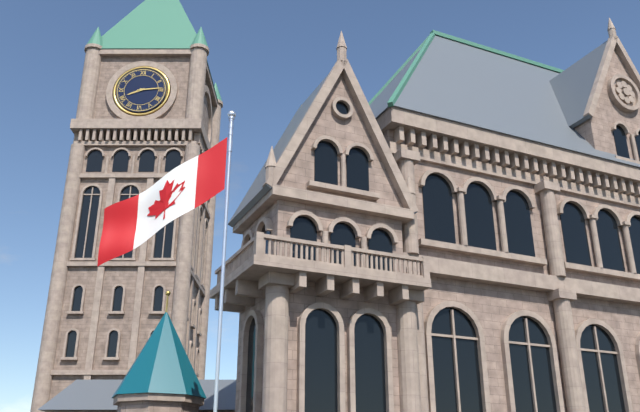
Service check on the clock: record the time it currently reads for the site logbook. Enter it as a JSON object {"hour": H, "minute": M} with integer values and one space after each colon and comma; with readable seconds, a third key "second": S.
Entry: {"hour": 8, "minute": 14}
